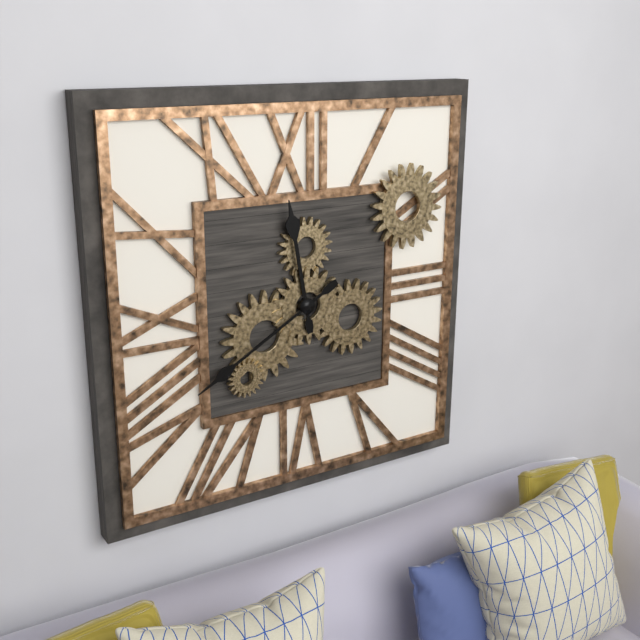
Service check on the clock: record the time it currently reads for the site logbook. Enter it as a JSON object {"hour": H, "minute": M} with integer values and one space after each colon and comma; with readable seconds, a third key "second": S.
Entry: {"hour": 11, "minute": 40}
